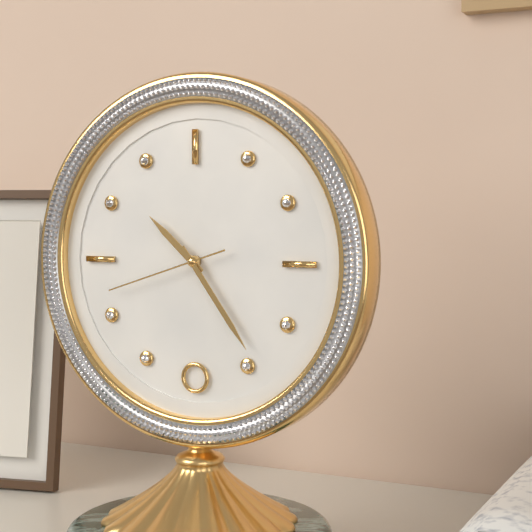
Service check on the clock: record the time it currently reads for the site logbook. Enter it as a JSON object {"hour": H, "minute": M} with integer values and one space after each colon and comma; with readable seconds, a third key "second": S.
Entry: {"hour": 10, "minute": 24, "second": 42}
